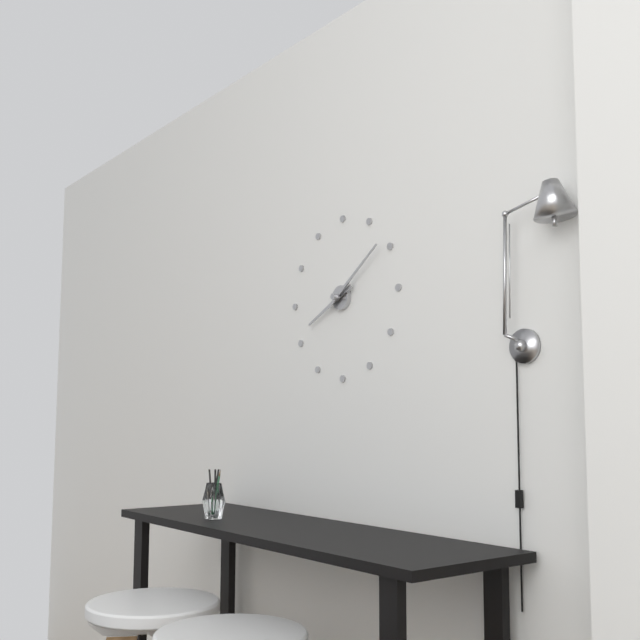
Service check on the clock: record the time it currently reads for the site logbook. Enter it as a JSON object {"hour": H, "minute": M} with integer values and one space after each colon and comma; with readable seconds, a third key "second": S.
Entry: {"hour": 8, "minute": 9}
